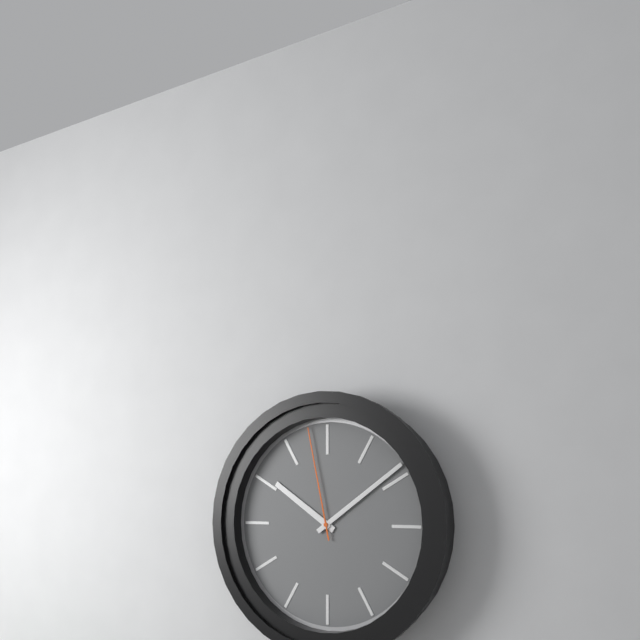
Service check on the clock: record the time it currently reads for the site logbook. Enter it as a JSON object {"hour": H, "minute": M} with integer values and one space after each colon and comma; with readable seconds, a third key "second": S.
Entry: {"hour": 10, "minute": 9, "second": 58}
